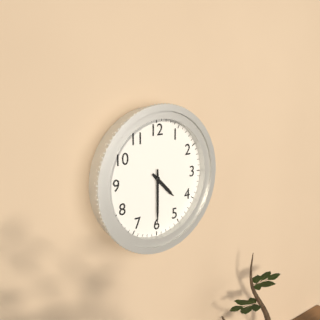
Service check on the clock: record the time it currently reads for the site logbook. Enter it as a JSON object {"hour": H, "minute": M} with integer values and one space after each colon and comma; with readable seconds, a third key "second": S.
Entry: {"hour": 4, "minute": 30}
